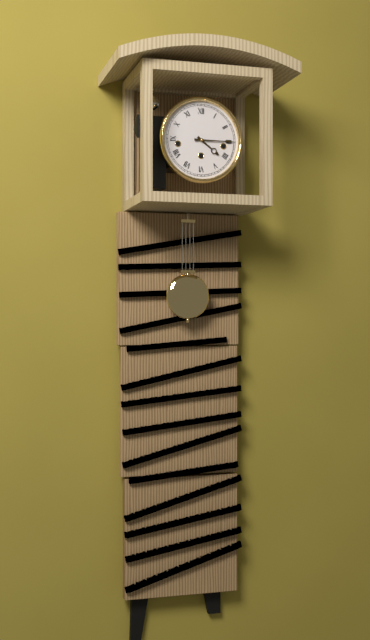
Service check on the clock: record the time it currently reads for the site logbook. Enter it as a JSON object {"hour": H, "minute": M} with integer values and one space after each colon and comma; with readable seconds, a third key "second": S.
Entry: {"hour": 4, "minute": 15}
